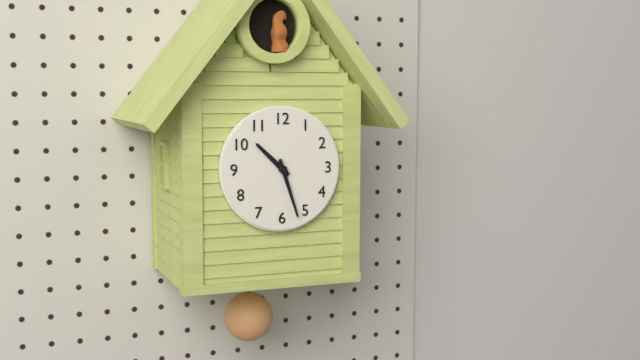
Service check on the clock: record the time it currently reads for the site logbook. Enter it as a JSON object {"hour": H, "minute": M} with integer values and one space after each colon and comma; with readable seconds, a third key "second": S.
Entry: {"hour": 10, "minute": 27}
